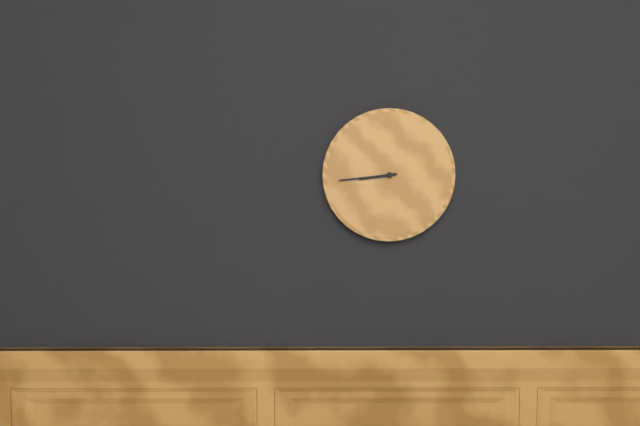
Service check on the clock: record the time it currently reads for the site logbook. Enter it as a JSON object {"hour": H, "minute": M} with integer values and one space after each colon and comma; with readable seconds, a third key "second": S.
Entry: {"hour": 8, "minute": 44}
